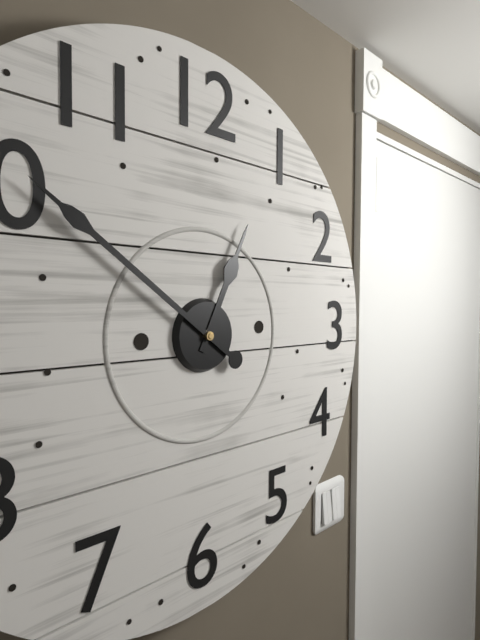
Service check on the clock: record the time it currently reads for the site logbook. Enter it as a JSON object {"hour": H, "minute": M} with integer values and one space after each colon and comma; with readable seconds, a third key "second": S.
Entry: {"hour": 12, "minute": 51}
